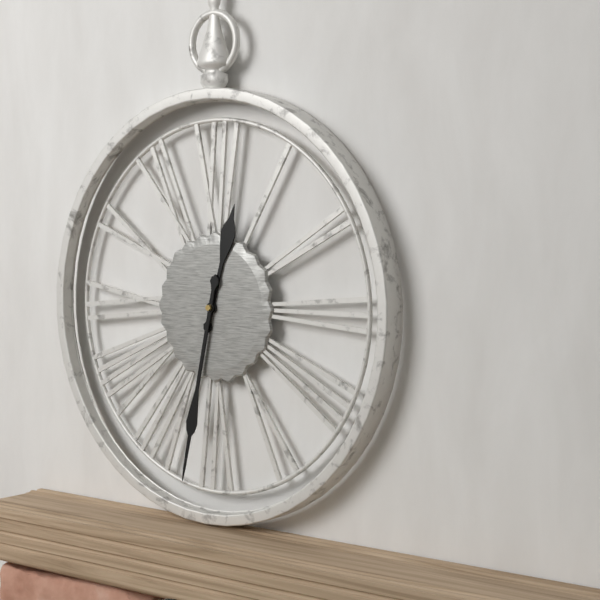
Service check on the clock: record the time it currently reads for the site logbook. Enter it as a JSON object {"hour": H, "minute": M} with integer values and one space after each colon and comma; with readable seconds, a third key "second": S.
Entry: {"hour": 12, "minute": 32}
